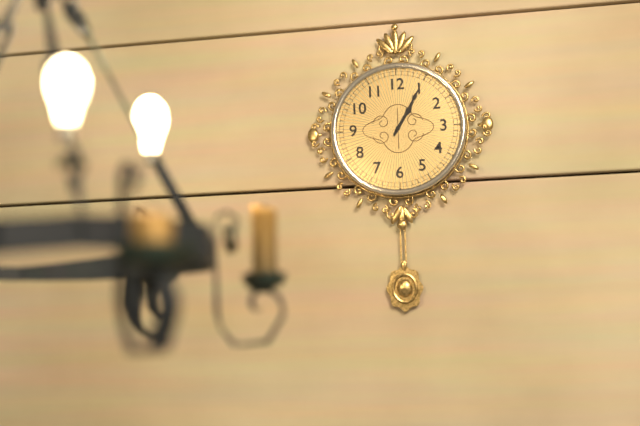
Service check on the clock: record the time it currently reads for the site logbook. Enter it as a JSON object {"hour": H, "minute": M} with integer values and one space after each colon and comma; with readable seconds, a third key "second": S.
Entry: {"hour": 1, "minute": 5}
